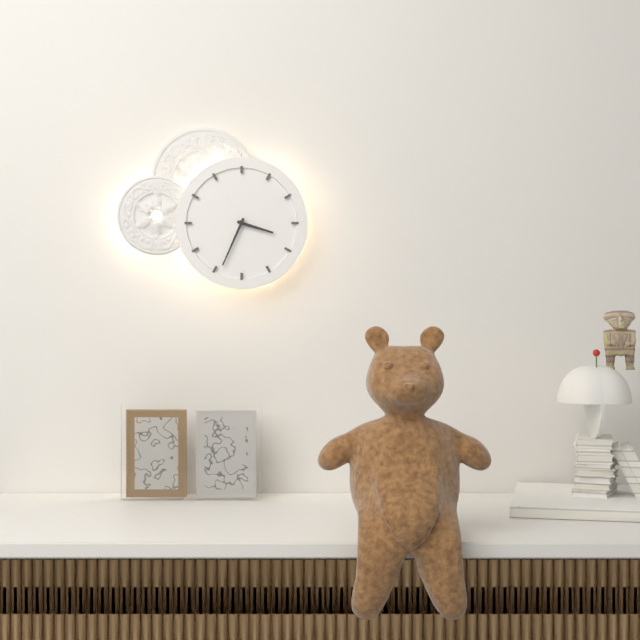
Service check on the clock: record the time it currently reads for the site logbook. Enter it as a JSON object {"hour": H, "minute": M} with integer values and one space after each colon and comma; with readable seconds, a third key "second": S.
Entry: {"hour": 3, "minute": 34}
